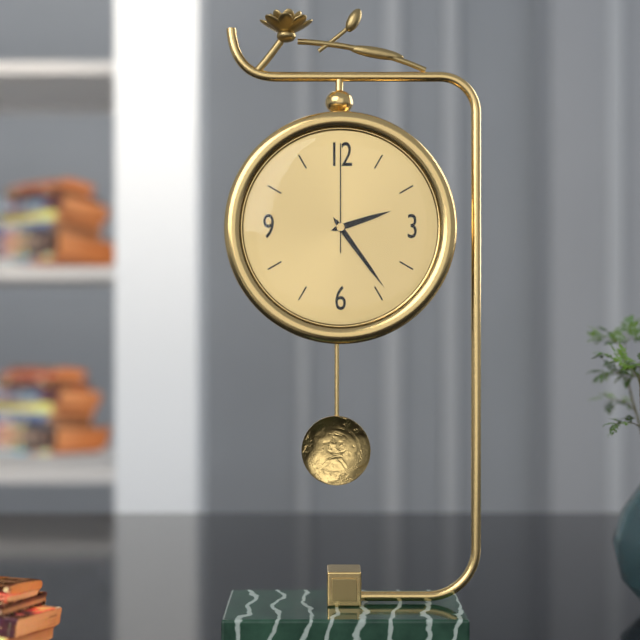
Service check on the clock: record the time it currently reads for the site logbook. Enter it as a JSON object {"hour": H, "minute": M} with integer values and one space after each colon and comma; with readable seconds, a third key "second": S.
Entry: {"hour": 2, "minute": 24, "second": 0}
